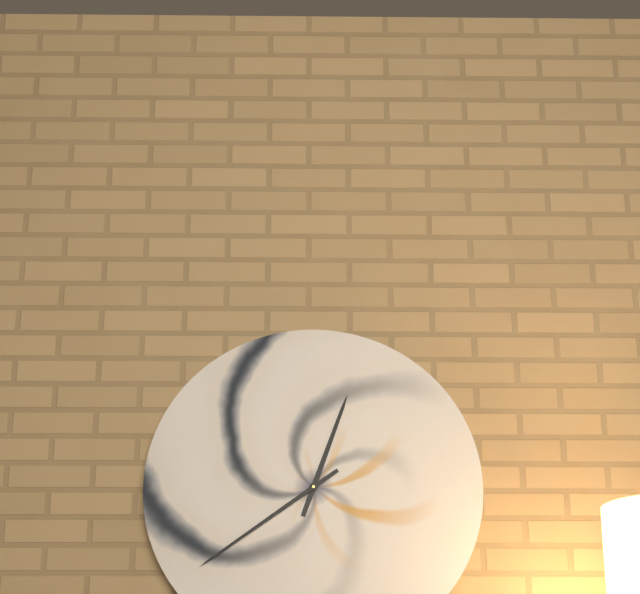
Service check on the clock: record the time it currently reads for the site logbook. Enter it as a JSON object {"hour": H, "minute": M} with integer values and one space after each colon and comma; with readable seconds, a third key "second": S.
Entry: {"hour": 12, "minute": 39}
